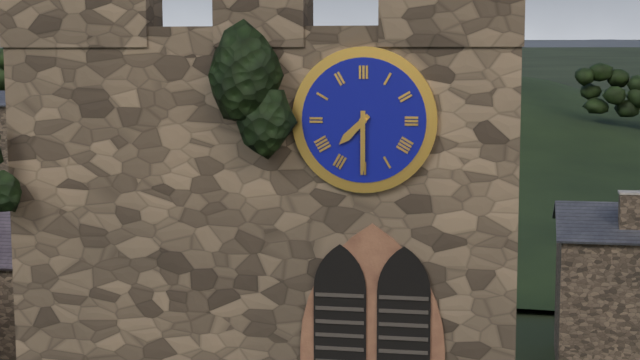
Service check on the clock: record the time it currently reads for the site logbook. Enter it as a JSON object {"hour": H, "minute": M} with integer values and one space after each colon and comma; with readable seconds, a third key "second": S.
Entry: {"hour": 7, "minute": 30}
